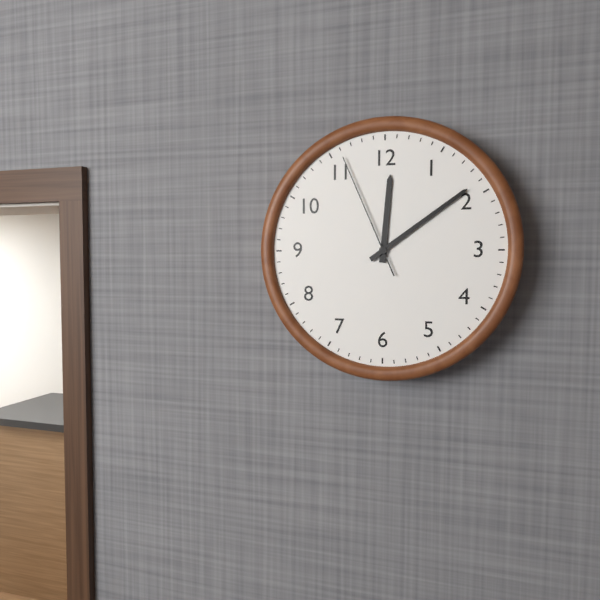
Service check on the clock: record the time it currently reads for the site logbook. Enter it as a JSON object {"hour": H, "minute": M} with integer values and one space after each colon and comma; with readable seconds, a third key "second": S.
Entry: {"hour": 12, "minute": 9, "second": 56}
